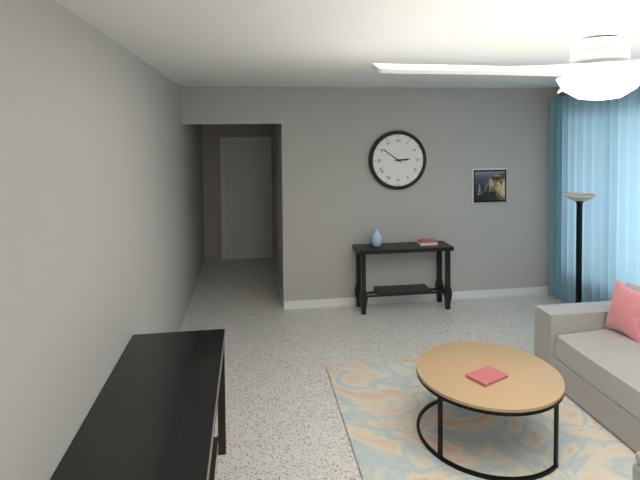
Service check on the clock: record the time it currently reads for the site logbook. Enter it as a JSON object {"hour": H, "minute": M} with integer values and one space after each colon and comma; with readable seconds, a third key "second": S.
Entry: {"hour": 2, "minute": 51}
